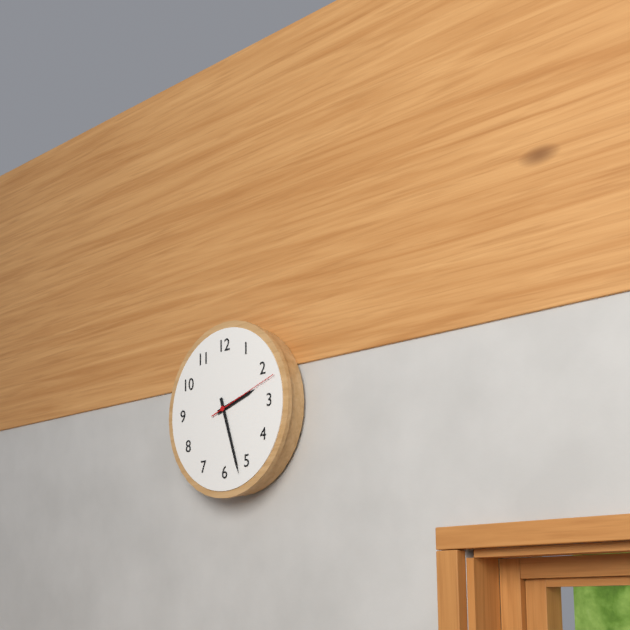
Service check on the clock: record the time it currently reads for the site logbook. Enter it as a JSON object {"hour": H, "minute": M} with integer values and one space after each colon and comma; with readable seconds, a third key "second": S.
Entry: {"hour": 2, "minute": 27, "second": 12}
